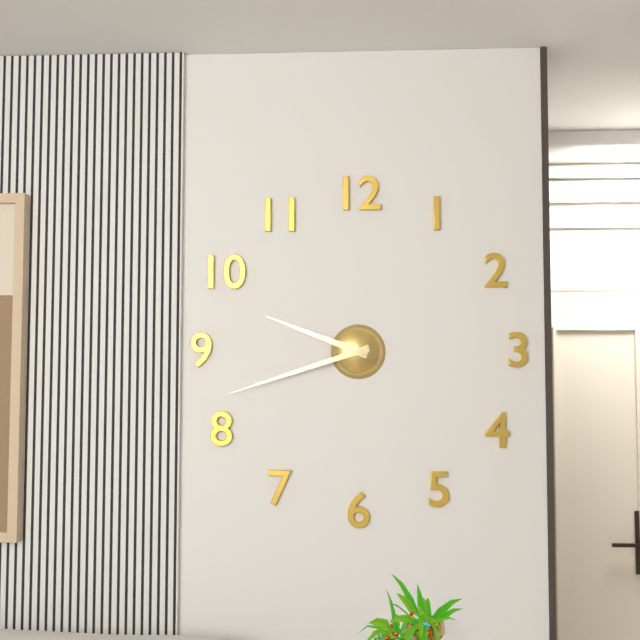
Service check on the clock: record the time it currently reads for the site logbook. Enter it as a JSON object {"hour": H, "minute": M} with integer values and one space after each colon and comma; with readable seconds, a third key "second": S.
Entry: {"hour": 9, "minute": 42}
